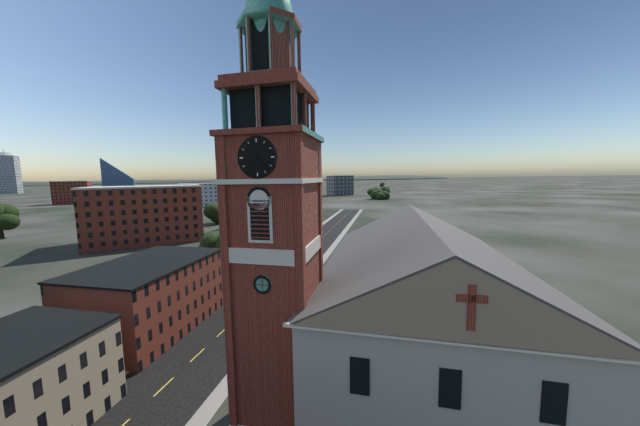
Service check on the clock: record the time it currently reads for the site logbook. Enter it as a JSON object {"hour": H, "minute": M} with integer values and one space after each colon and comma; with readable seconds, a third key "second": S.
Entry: {"hour": 8, "minute": 23}
